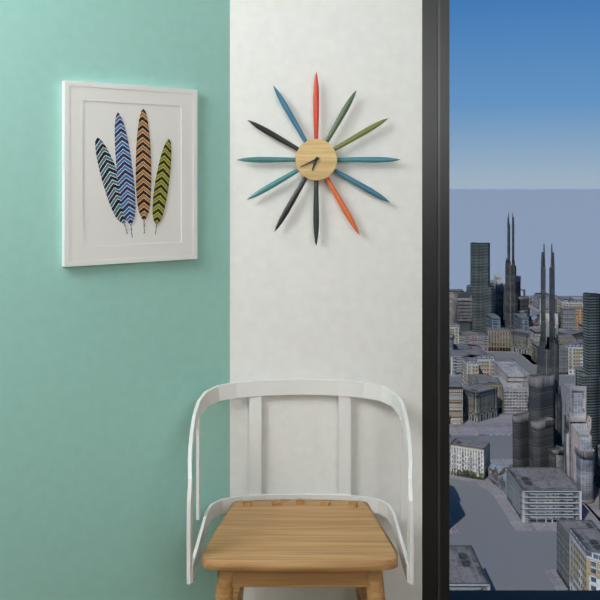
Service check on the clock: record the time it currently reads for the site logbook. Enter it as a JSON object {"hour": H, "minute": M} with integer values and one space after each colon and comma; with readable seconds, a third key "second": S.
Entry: {"hour": 6, "minute": 41}
